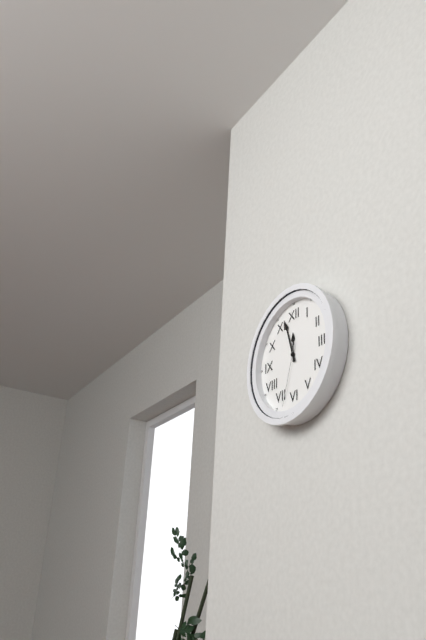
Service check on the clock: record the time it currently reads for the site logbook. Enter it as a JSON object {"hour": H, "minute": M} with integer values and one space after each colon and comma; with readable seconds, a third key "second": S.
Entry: {"hour": 11, "minute": 57, "second": 33}
